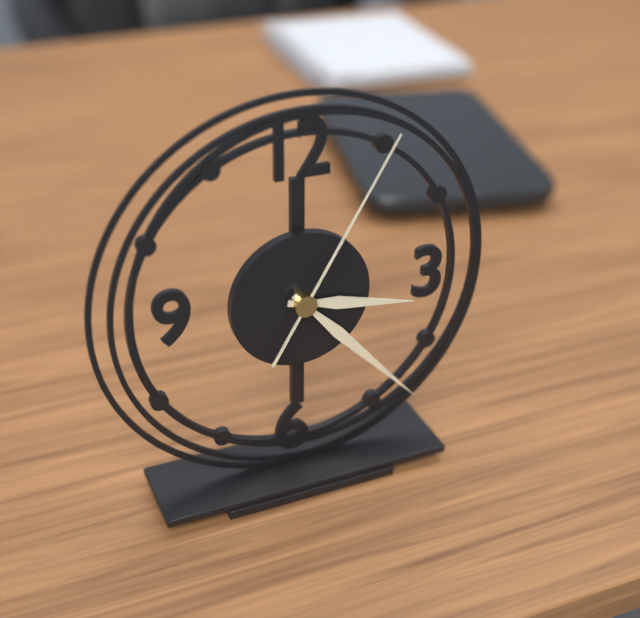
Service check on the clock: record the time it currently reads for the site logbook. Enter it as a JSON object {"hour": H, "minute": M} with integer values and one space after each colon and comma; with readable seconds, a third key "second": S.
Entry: {"hour": 3, "minute": 23, "second": 5}
